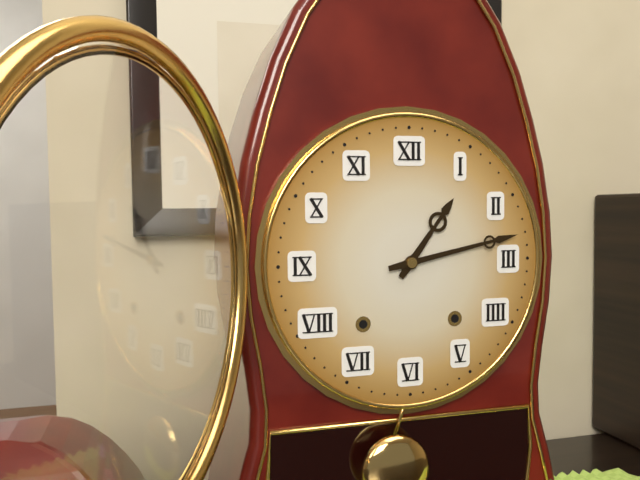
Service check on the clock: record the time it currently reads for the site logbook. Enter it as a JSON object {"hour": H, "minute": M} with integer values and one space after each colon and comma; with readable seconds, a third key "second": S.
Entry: {"hour": 1, "minute": 13}
